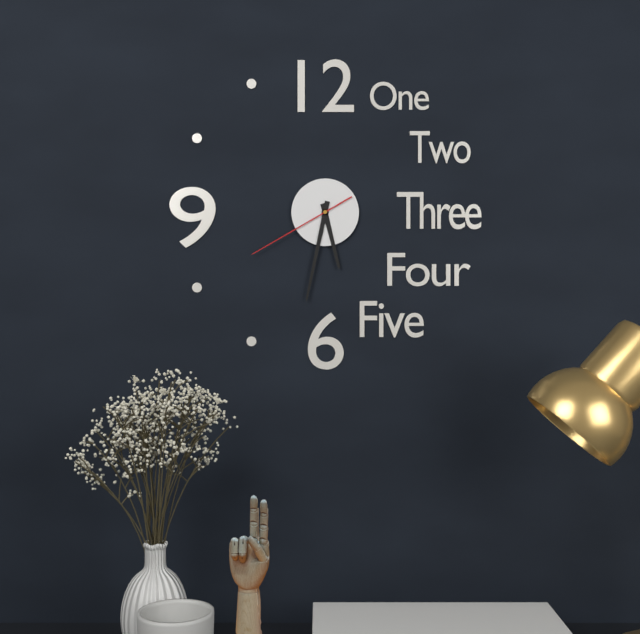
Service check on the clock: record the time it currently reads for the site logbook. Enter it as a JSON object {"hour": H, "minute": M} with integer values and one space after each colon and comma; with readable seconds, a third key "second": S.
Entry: {"hour": 5, "minute": 32, "second": 40}
